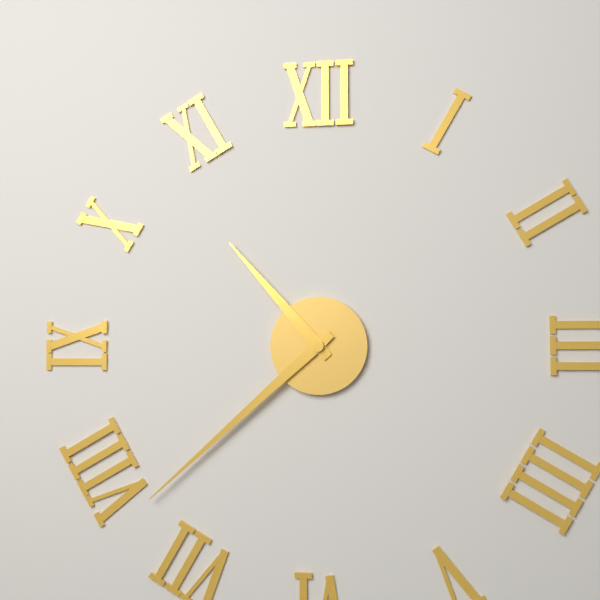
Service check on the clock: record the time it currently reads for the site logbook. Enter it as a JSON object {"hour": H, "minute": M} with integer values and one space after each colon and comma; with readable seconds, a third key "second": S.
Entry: {"hour": 10, "minute": 38}
